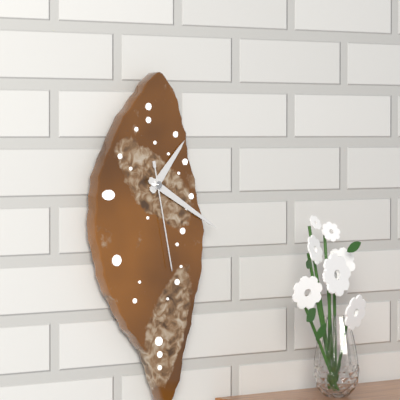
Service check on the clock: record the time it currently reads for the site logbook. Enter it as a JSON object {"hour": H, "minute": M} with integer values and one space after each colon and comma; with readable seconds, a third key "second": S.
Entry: {"hour": 1, "minute": 20, "second": 28}
